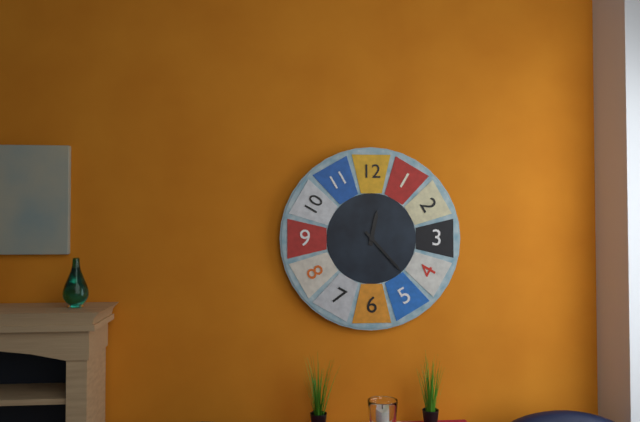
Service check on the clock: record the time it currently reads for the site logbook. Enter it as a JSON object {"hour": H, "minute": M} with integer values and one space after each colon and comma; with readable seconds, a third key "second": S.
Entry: {"hour": 12, "minute": 23}
